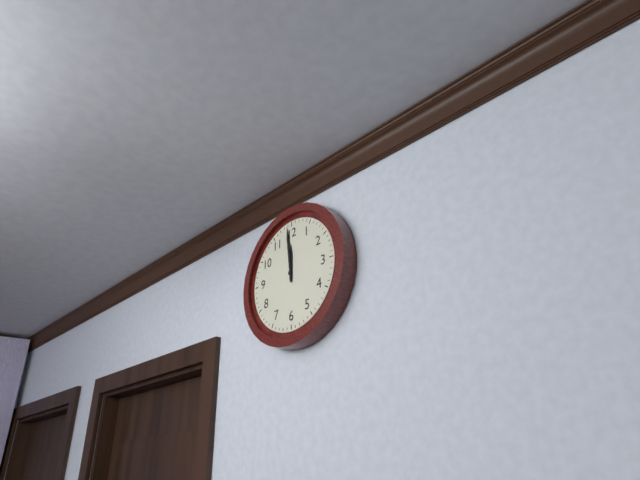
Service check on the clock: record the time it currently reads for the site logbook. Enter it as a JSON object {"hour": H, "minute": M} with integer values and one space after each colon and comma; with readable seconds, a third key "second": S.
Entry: {"hour": 11, "minute": 59}
